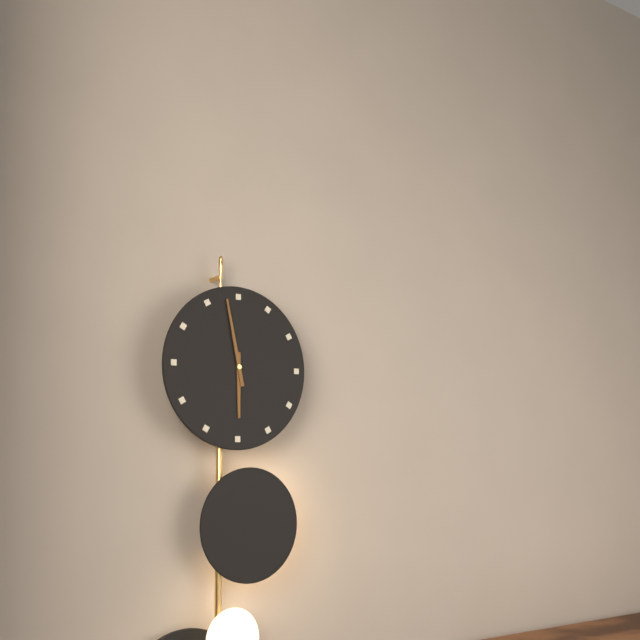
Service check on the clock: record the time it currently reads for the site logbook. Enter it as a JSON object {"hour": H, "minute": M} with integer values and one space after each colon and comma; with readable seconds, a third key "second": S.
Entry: {"hour": 5, "minute": 58}
